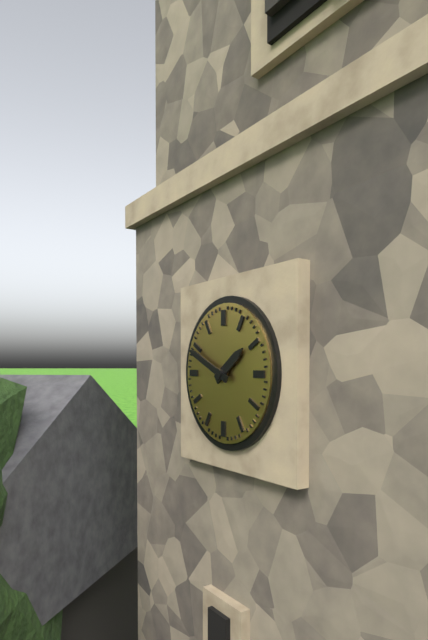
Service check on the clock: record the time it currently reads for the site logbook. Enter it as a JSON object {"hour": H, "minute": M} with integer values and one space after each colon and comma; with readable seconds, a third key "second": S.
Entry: {"hour": 1, "minute": 49}
